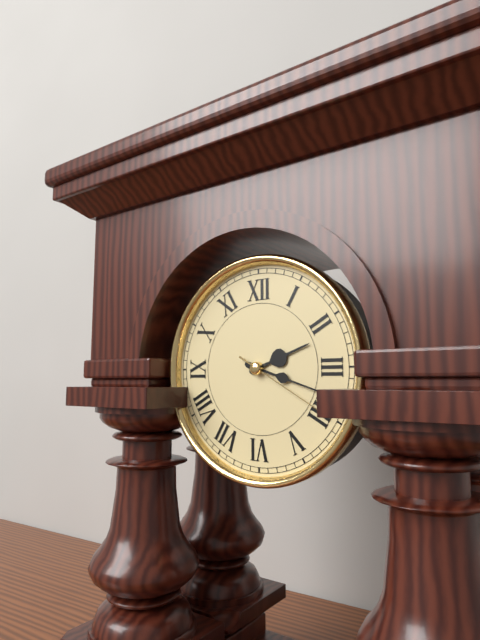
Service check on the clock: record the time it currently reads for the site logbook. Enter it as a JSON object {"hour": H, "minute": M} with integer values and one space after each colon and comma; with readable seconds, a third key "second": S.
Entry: {"hour": 2, "minute": 18, "second": 20}
